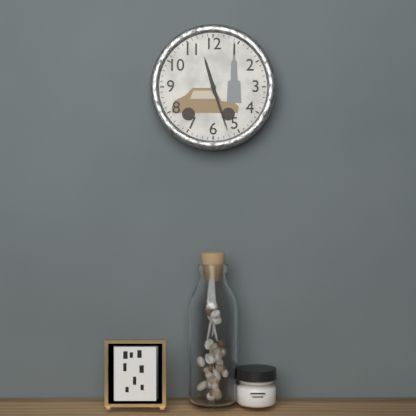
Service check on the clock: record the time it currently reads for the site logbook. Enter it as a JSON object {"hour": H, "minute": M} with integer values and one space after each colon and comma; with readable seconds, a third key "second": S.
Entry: {"hour": 11, "minute": 27}
